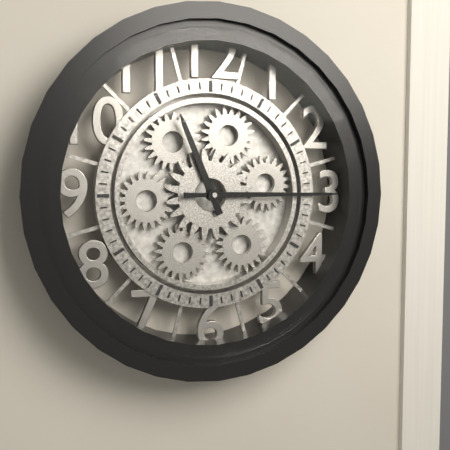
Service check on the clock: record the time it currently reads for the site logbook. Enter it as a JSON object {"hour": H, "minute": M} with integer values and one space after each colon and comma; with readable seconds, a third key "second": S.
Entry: {"hour": 11, "minute": 15}
